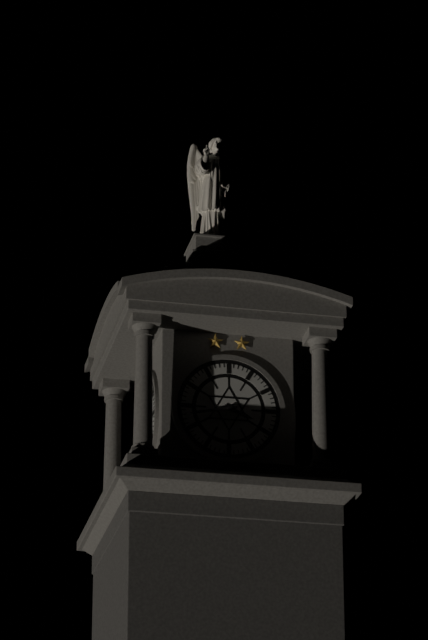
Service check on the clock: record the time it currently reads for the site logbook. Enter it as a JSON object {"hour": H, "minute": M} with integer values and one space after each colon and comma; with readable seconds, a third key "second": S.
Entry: {"hour": 3, "minute": 43}
